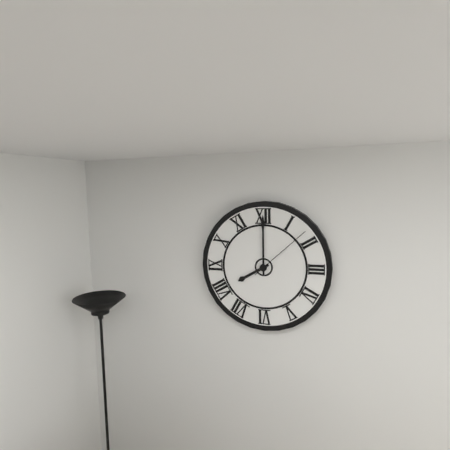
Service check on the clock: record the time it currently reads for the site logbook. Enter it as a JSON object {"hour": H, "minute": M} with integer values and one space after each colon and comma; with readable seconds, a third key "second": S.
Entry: {"hour": 8, "minute": 0, "second": 8}
